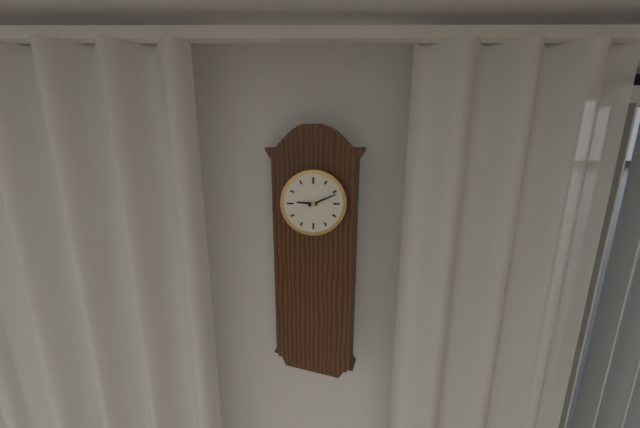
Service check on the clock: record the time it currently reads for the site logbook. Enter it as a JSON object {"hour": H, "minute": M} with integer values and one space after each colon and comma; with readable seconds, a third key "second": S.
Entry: {"hour": 9, "minute": 11}
